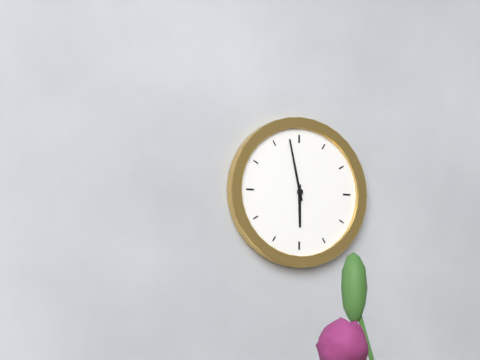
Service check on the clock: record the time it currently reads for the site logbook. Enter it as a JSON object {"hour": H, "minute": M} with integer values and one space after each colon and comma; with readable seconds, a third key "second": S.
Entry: {"hour": 5, "minute": 58}
